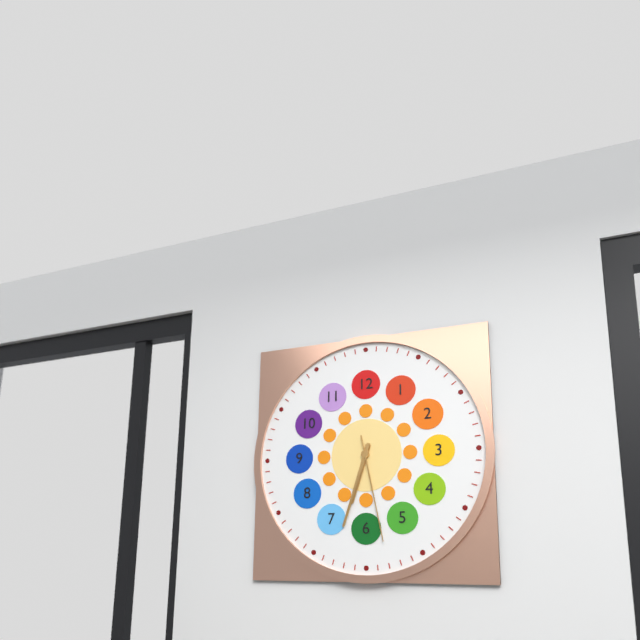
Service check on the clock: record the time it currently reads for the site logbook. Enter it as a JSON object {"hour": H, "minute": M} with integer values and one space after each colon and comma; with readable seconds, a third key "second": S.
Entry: {"hour": 6, "minute": 33, "second": 28}
